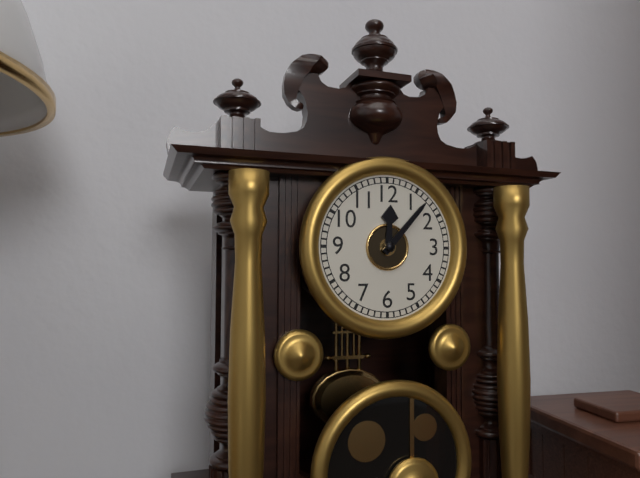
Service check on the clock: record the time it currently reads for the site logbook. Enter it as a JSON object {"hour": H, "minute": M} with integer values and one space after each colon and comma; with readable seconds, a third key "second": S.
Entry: {"hour": 12, "minute": 7}
